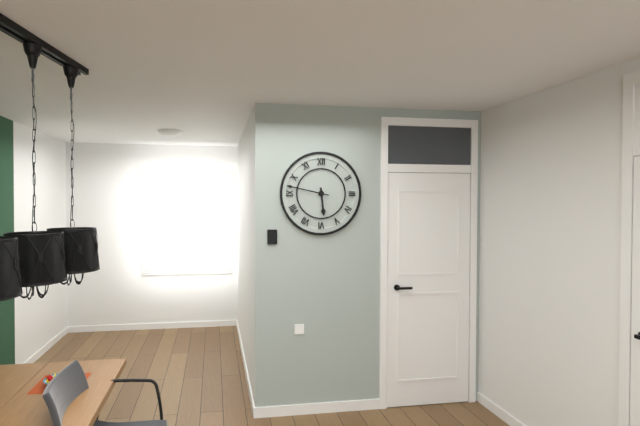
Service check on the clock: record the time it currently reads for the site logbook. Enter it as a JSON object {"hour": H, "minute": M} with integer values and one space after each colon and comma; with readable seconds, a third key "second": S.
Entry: {"hour": 5, "minute": 47}
